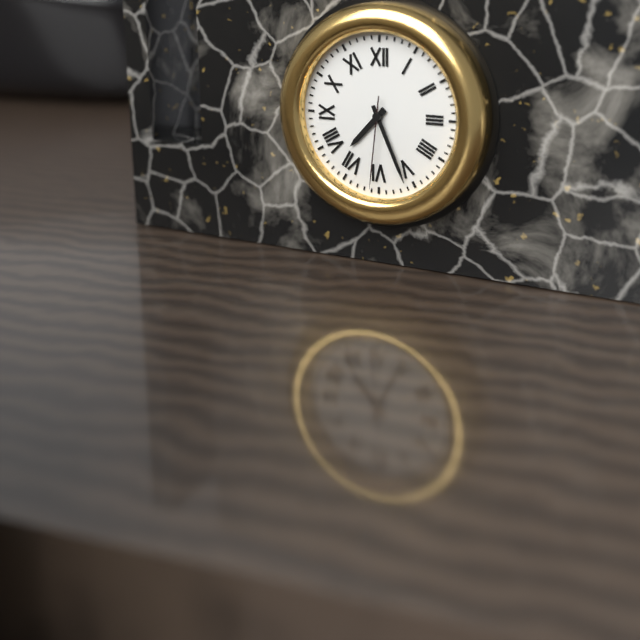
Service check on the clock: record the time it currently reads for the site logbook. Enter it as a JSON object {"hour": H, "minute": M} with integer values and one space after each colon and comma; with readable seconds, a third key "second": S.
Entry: {"hour": 7, "minute": 26, "second": 31}
